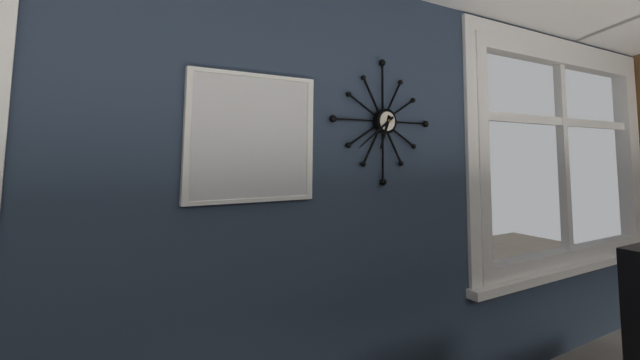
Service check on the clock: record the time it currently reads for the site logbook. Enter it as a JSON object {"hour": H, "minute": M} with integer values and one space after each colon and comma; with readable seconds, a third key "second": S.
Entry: {"hour": 6, "minute": 39}
